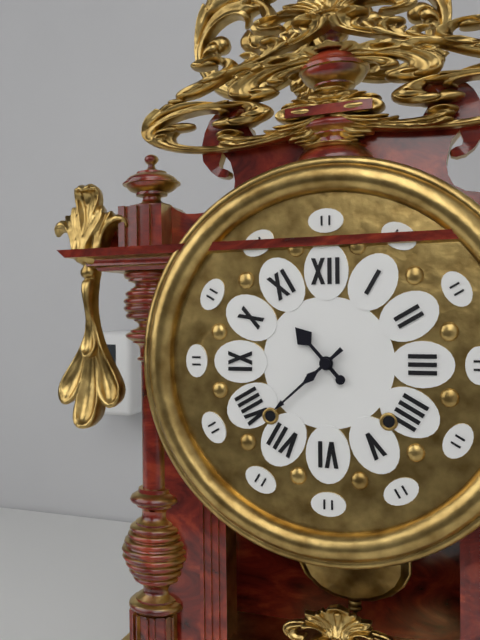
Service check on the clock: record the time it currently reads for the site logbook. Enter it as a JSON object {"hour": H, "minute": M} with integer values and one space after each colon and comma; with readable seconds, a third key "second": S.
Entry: {"hour": 10, "minute": 38}
